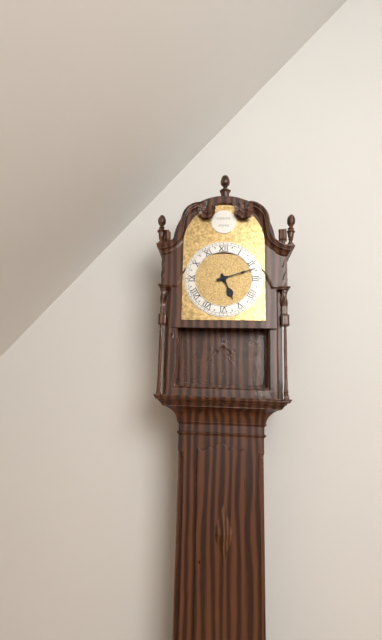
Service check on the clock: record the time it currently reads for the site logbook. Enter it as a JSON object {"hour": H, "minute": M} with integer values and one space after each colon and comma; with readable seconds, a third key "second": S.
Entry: {"hour": 5, "minute": 12}
